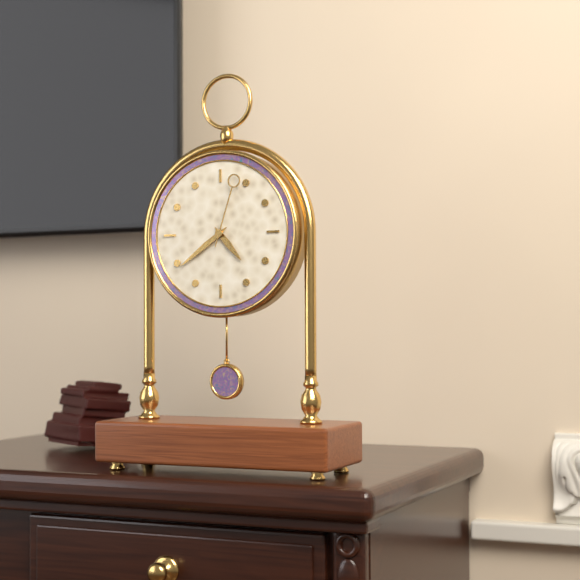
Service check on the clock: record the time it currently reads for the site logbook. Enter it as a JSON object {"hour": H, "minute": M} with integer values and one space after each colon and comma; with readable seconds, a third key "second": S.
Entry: {"hour": 4, "minute": 39, "second": 3}
